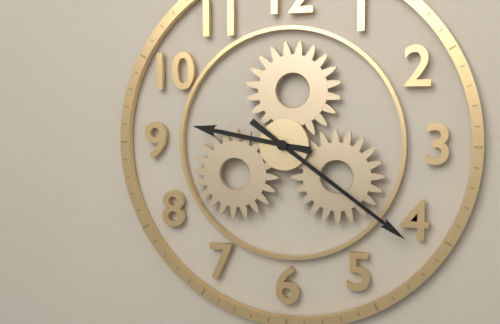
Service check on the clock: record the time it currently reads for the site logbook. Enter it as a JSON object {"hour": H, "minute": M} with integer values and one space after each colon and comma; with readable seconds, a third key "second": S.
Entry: {"hour": 9, "minute": 21}
